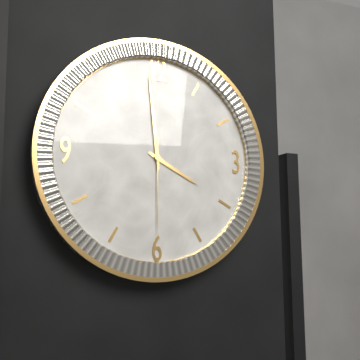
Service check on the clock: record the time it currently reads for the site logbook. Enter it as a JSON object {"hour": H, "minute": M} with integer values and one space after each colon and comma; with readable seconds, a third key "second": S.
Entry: {"hour": 3, "minute": 59, "second": 30}
